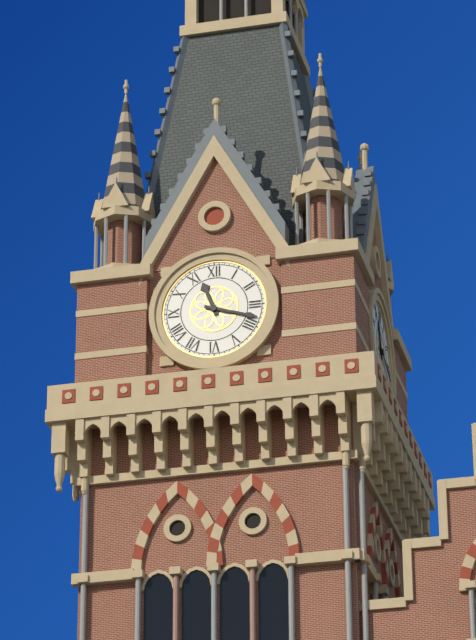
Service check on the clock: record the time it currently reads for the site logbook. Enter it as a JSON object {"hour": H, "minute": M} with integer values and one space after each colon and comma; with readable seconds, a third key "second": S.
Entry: {"hour": 11, "minute": 18}
